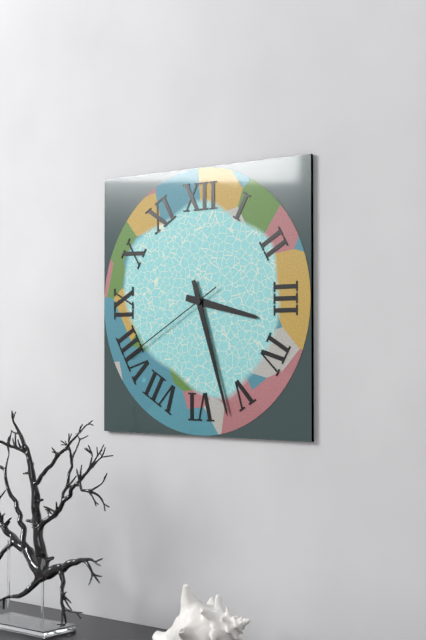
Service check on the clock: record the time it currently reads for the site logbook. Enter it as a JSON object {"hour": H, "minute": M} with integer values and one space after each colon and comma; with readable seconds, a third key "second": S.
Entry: {"hour": 3, "minute": 27, "second": 40}
